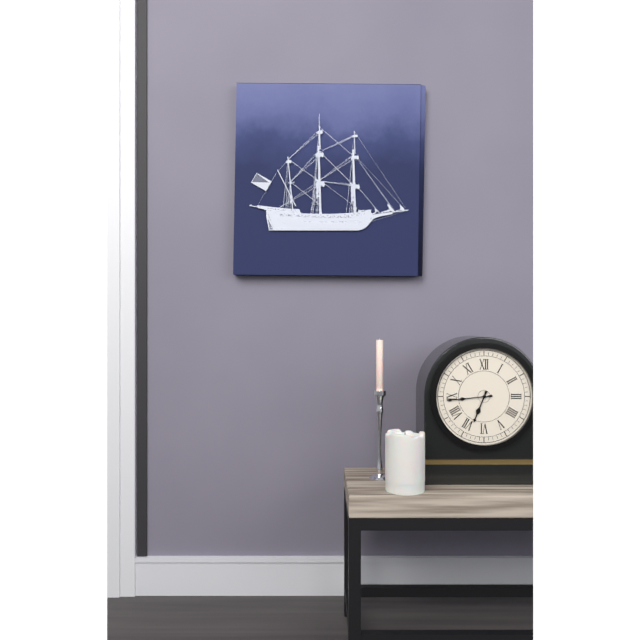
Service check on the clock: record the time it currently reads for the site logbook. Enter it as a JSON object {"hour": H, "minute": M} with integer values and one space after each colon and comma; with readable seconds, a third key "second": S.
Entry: {"hour": 6, "minute": 44}
